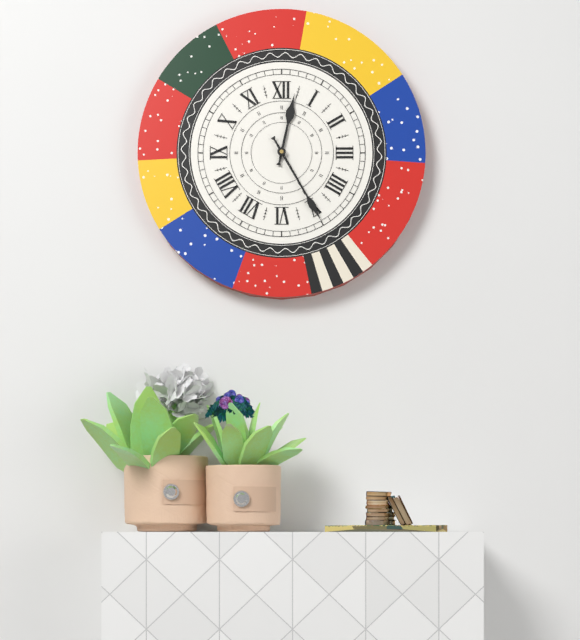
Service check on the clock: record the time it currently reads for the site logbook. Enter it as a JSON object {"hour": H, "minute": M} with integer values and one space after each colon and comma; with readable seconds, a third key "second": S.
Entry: {"hour": 12, "minute": 25}
